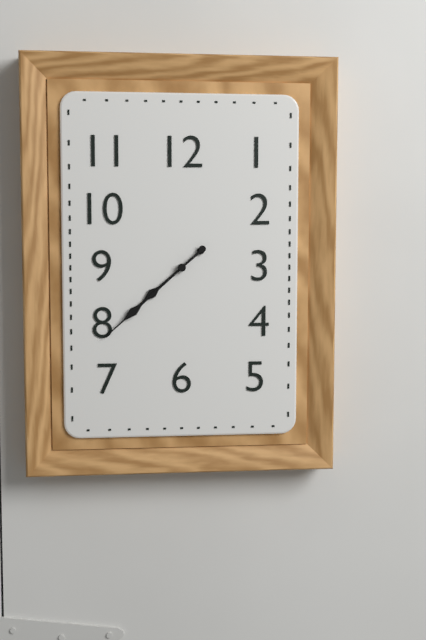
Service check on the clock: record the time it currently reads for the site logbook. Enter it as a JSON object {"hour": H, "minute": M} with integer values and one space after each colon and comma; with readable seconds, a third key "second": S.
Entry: {"hour": 7, "minute": 38}
